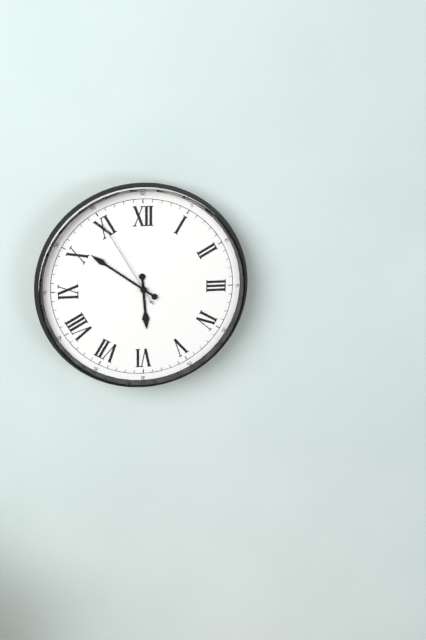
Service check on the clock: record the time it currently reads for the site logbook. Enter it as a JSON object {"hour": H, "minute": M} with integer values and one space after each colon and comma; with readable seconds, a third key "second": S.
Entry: {"hour": 5, "minute": 51, "second": 55}
